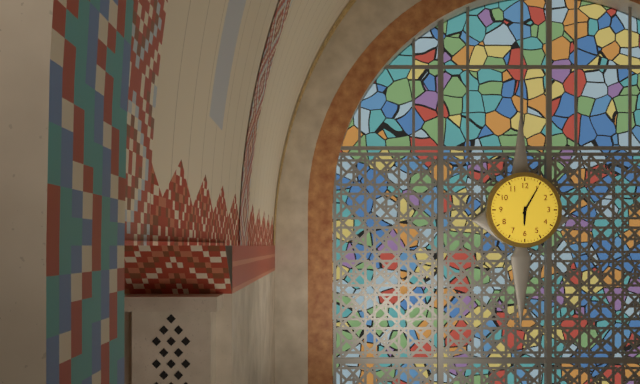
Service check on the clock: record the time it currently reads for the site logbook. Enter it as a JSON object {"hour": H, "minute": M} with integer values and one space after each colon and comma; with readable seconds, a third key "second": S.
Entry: {"hour": 6, "minute": 5}
